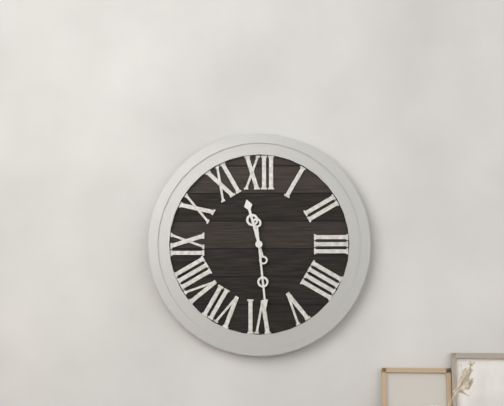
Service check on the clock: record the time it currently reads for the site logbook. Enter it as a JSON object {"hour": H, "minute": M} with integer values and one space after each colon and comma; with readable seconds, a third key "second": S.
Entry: {"hour": 11, "minute": 29}
